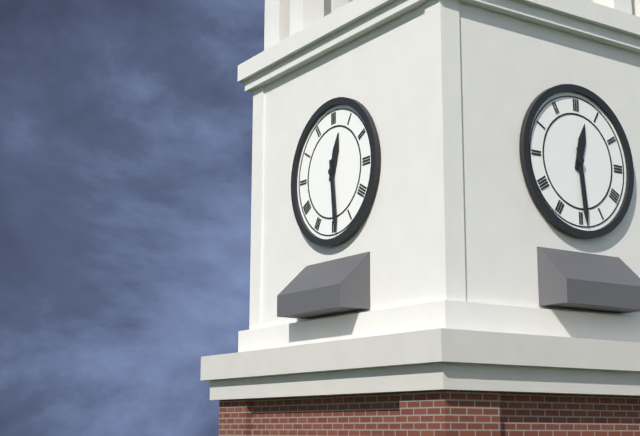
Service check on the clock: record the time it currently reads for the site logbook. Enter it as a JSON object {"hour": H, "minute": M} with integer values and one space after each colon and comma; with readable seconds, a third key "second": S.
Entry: {"hour": 12, "minute": 29}
